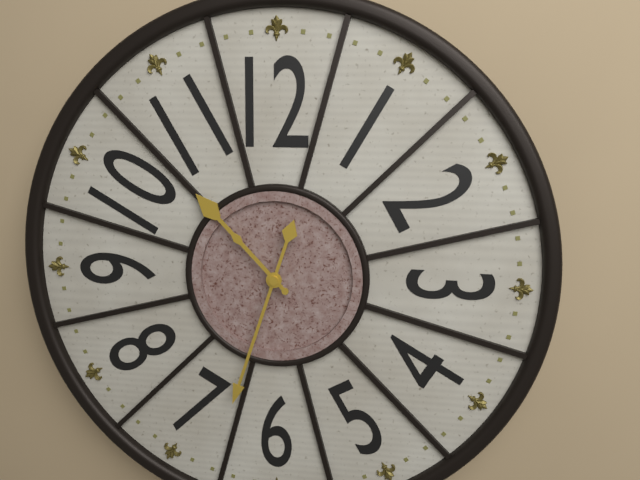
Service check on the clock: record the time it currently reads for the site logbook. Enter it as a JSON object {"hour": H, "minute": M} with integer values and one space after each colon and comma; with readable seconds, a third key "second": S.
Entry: {"hour": 10, "minute": 33}
